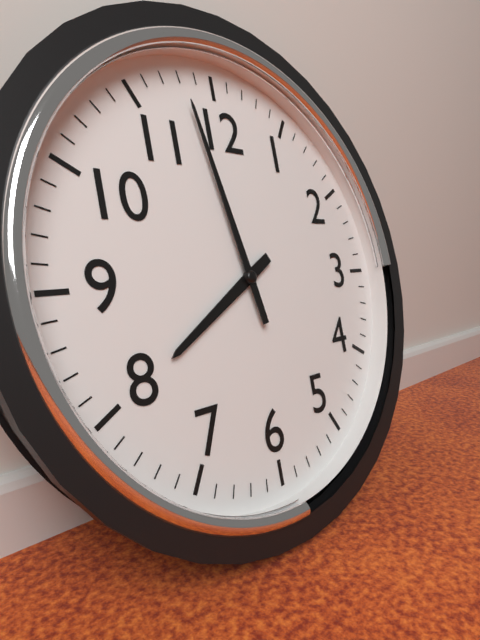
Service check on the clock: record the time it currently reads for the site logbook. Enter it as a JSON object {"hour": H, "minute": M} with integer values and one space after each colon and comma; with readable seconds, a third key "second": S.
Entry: {"hour": 7, "minute": 58}
